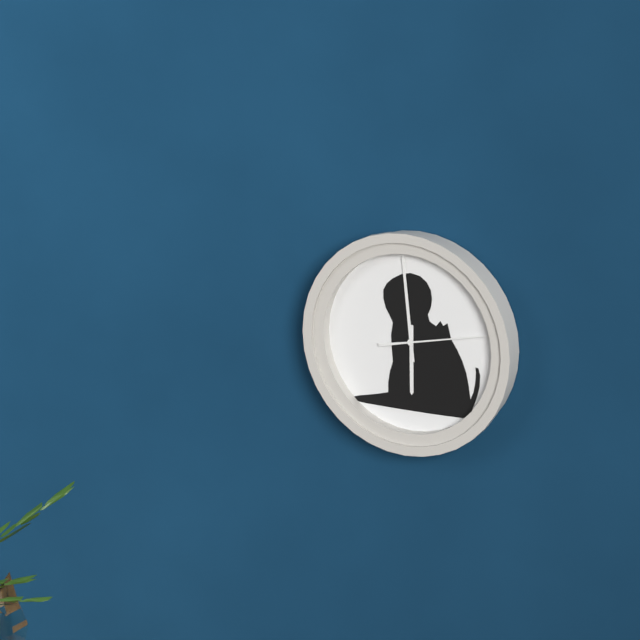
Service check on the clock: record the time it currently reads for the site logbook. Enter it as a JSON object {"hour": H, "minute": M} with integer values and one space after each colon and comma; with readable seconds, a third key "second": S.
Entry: {"hour": 5, "minute": 59, "second": 13}
